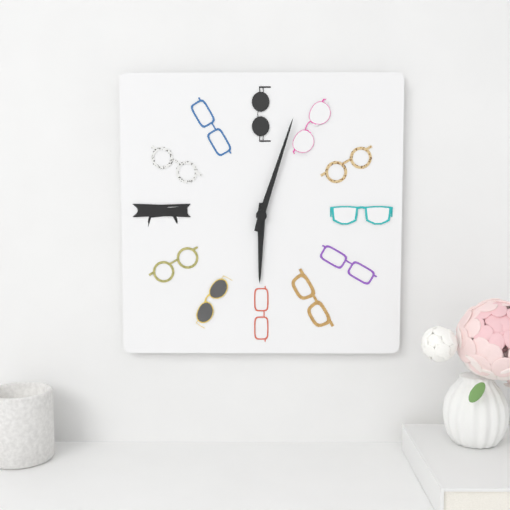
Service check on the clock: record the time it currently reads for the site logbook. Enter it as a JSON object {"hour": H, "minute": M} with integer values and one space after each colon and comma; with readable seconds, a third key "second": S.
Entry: {"hour": 6, "minute": 3}
